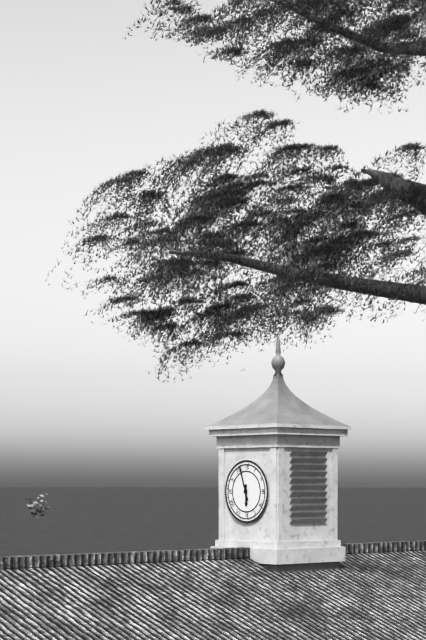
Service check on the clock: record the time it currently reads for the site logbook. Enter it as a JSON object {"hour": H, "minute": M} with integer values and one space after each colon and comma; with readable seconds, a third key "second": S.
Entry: {"hour": 5, "minute": 57}
